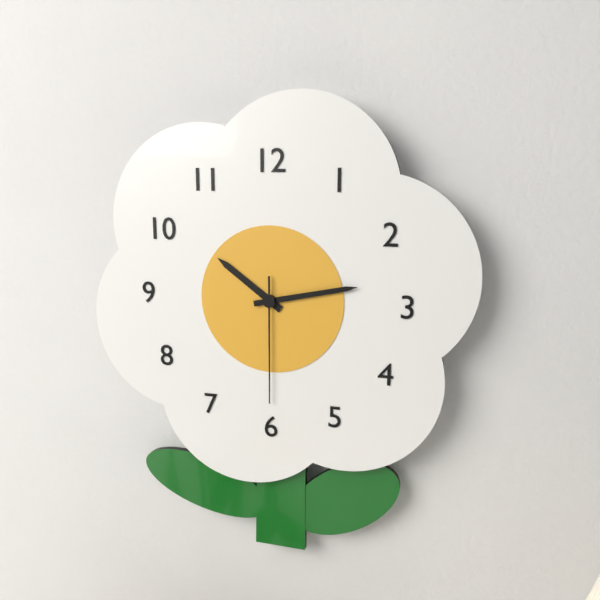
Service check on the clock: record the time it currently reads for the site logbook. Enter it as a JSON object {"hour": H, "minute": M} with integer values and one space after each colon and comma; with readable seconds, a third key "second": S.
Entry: {"hour": 10, "minute": 13, "second": 30}
